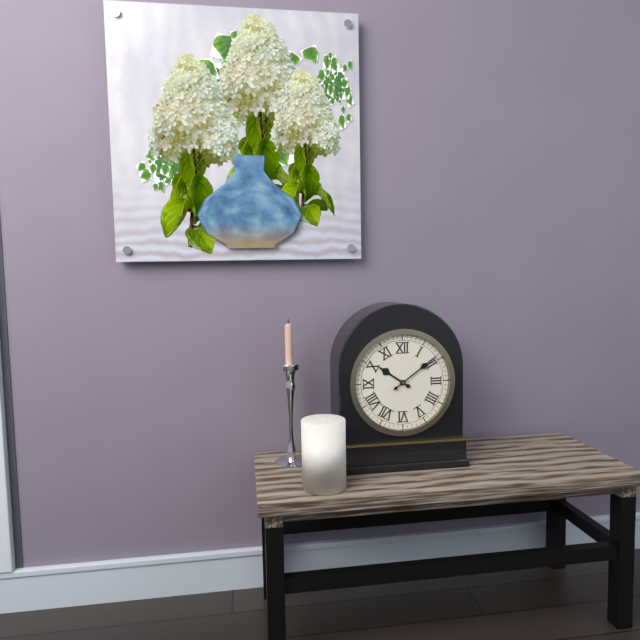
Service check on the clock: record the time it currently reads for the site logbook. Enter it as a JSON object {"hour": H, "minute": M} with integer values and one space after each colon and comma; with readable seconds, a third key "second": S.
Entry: {"hour": 10, "minute": 9}
